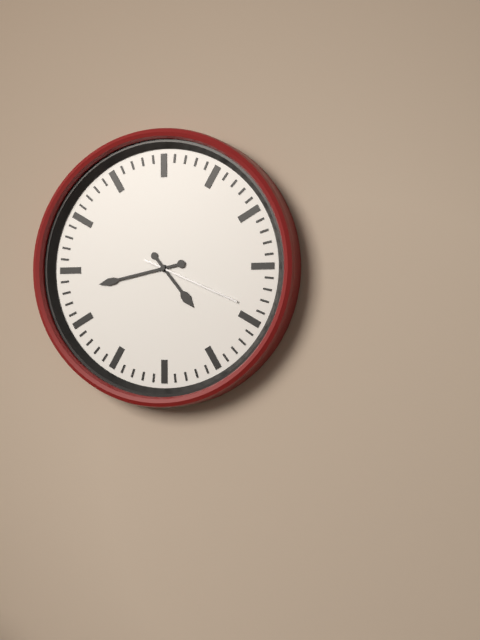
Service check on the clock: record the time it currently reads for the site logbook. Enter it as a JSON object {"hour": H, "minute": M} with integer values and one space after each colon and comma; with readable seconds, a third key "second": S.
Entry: {"hour": 4, "minute": 43, "second": 19}
